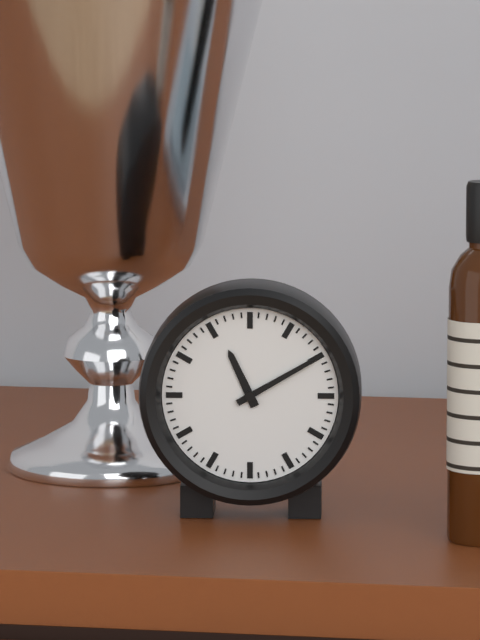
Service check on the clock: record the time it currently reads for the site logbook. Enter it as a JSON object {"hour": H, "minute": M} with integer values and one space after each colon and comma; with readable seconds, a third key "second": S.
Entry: {"hour": 11, "minute": 10}
